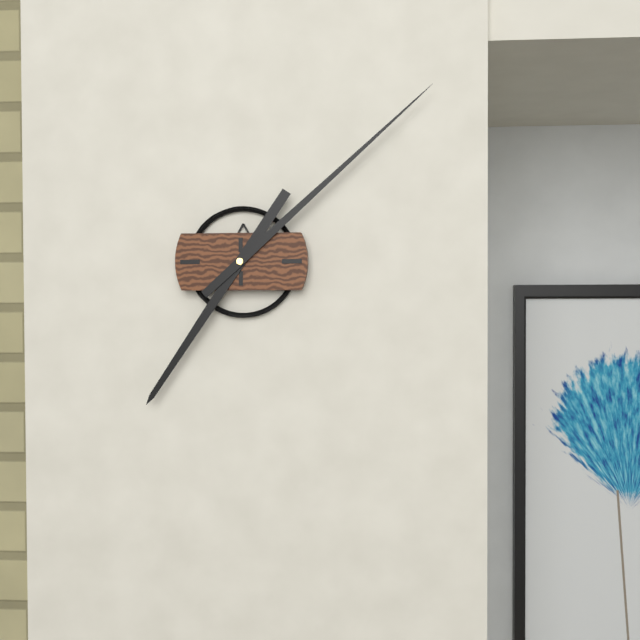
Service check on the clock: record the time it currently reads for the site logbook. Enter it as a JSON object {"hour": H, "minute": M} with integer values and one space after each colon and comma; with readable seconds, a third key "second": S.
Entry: {"hour": 7, "minute": 8}
